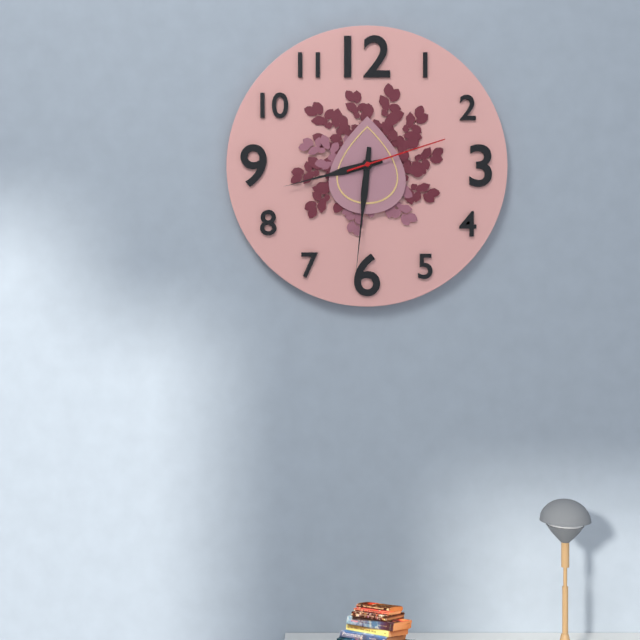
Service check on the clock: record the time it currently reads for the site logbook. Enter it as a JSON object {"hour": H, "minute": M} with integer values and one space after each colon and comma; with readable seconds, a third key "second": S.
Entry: {"hour": 8, "minute": 31, "second": 12}
